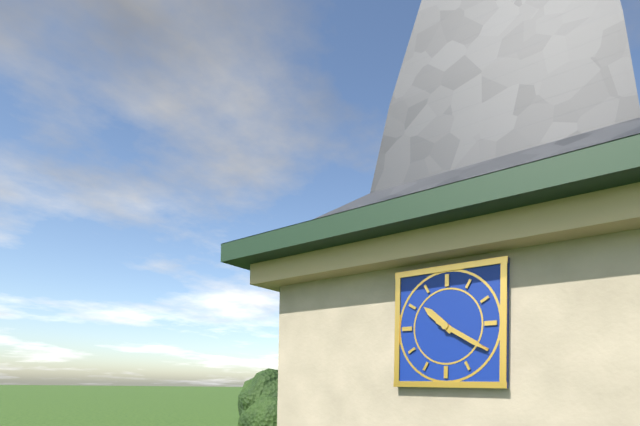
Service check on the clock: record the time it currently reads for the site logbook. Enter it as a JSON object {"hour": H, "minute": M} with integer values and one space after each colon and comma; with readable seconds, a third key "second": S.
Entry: {"hour": 10, "minute": 20}
